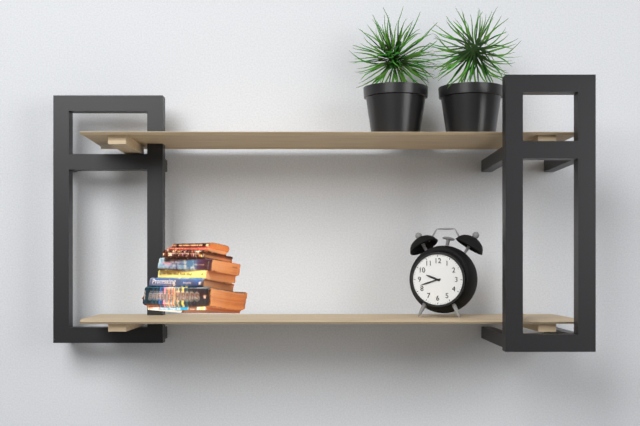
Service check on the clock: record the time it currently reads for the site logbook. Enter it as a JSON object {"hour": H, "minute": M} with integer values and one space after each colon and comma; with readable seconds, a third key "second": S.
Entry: {"hour": 9, "minute": 42}
